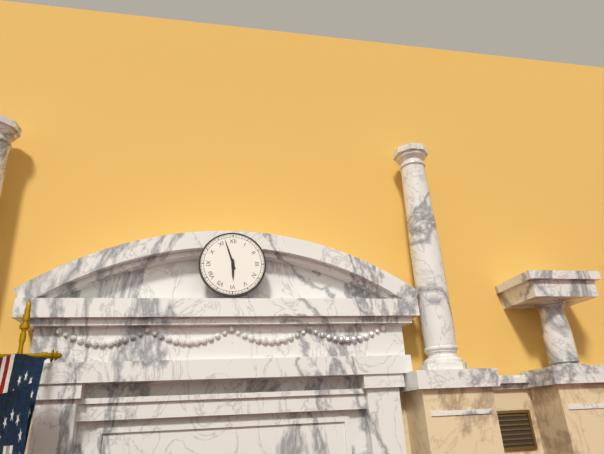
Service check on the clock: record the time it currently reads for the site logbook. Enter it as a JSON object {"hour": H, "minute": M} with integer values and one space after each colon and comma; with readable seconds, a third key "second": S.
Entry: {"hour": 5, "minute": 57}
